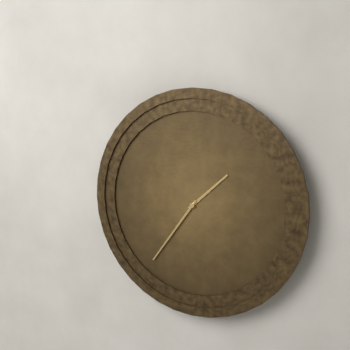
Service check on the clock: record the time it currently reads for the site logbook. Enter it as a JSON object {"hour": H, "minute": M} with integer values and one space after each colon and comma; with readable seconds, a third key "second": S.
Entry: {"hour": 1, "minute": 36}
